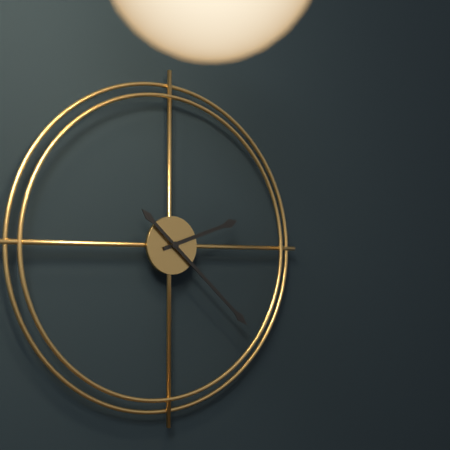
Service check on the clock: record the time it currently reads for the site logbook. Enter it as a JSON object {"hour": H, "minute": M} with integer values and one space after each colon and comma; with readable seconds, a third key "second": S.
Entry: {"hour": 2, "minute": 22}
